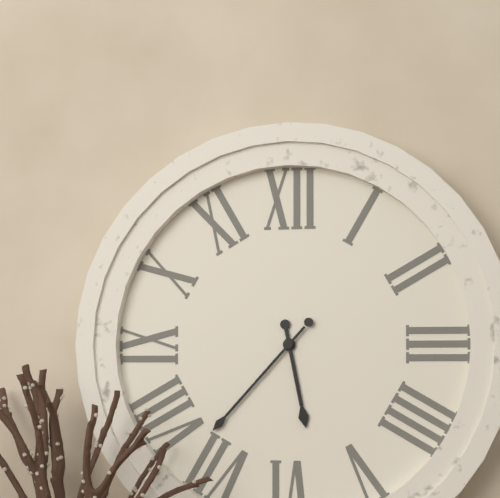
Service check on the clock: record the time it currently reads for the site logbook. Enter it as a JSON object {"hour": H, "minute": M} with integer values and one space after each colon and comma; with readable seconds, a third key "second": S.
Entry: {"hour": 5, "minute": 37}
